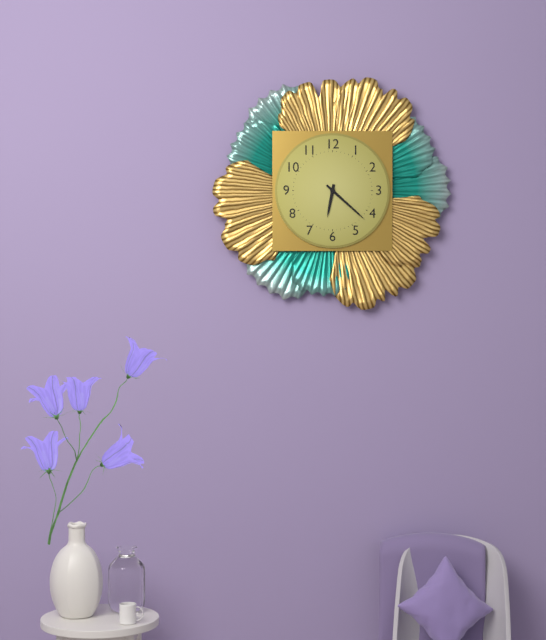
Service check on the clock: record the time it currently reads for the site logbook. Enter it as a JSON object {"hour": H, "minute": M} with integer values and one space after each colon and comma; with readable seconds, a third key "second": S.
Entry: {"hour": 6, "minute": 22}
